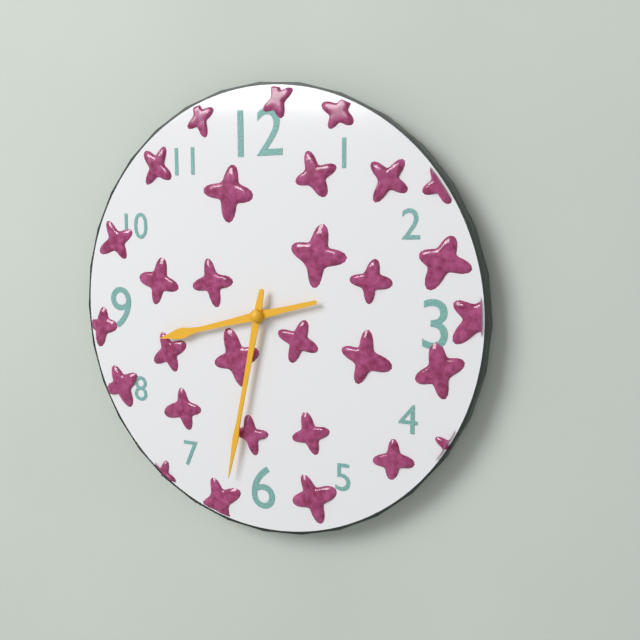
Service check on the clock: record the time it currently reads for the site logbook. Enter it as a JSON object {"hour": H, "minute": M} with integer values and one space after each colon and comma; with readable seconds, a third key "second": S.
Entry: {"hour": 8, "minute": 32}
